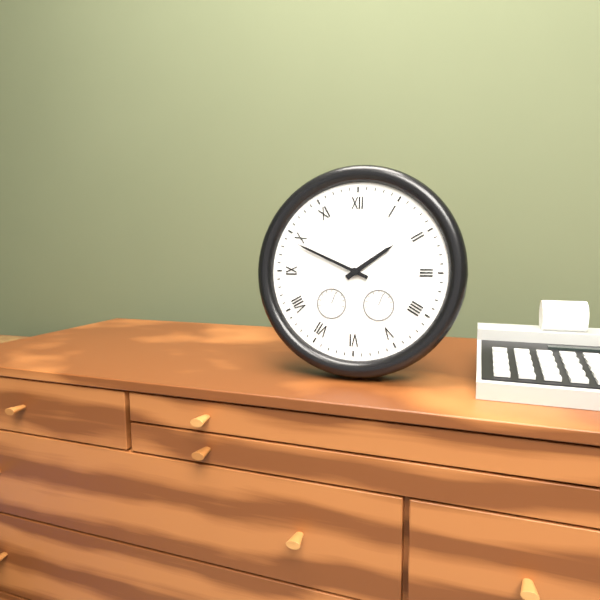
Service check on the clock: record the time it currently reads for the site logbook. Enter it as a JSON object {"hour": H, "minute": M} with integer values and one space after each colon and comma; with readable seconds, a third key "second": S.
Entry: {"hour": 1, "minute": 49}
